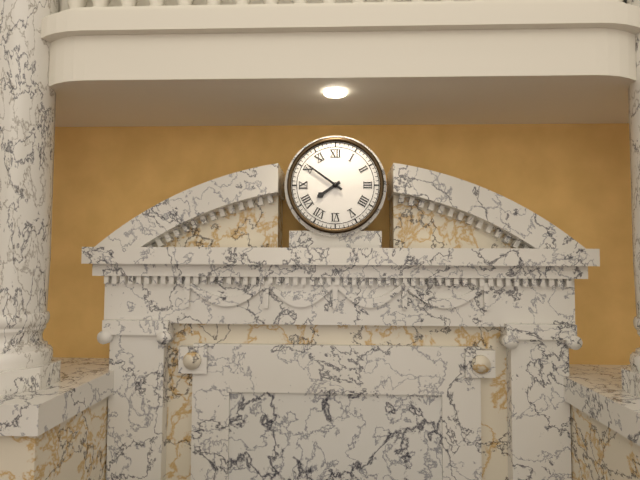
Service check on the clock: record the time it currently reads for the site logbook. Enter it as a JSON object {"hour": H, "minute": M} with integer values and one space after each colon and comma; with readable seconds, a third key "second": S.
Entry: {"hour": 7, "minute": 51}
